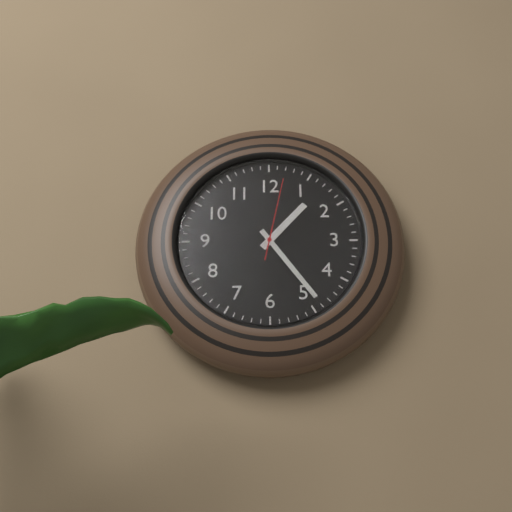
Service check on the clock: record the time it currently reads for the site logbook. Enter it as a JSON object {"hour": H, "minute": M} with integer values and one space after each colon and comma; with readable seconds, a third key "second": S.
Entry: {"hour": 1, "minute": 24, "second": 2}
